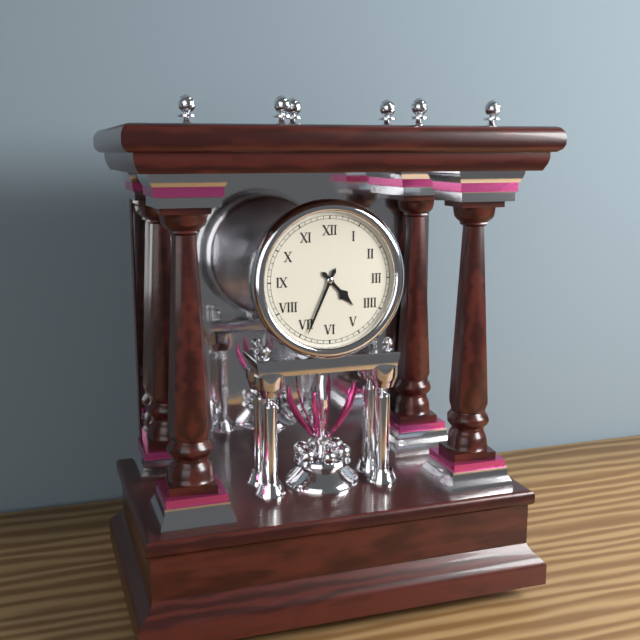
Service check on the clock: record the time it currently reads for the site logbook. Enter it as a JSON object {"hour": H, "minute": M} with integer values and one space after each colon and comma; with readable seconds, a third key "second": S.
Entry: {"hour": 4, "minute": 34}
